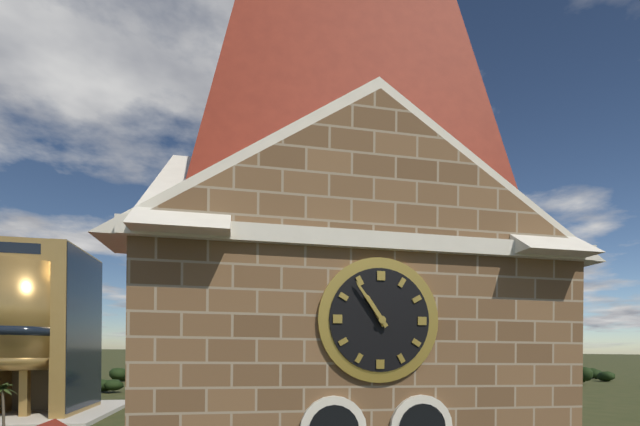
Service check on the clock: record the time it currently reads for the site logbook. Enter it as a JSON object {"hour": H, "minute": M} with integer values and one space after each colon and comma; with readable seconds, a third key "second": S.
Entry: {"hour": 10, "minute": 54}
